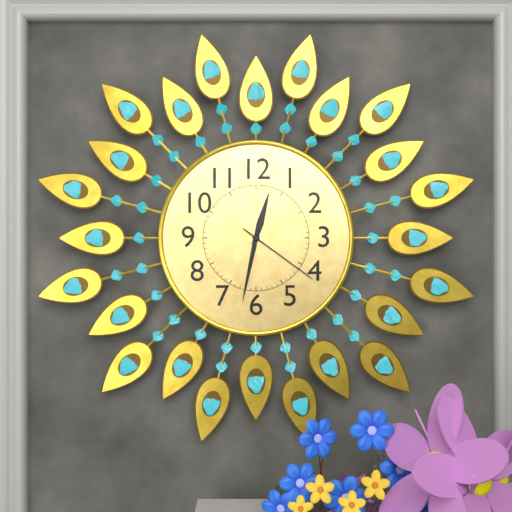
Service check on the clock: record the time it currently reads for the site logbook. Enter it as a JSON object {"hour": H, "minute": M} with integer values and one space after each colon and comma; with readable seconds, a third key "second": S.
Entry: {"hour": 12, "minute": 32, "second": 21}
